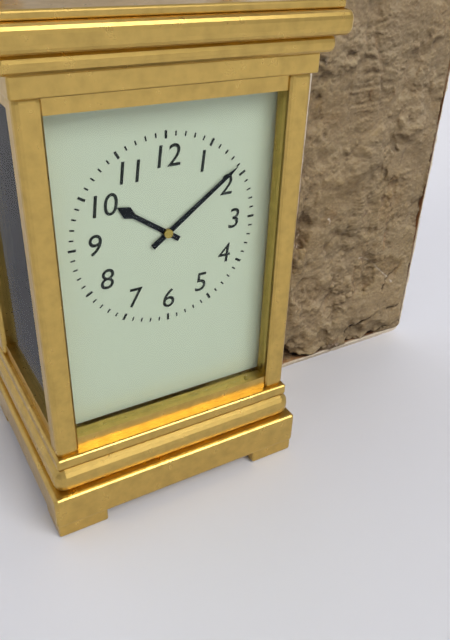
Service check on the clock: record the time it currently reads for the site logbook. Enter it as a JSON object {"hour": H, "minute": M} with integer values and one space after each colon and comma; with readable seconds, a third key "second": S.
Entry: {"hour": 10, "minute": 9}
